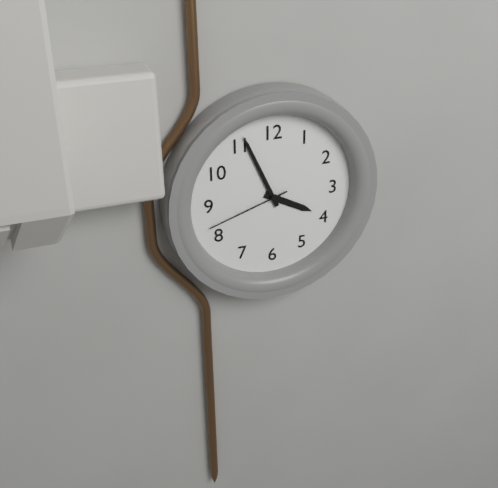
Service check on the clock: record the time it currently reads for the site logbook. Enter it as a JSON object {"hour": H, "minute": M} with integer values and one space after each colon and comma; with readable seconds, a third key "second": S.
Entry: {"hour": 3, "minute": 56, "second": 42}
